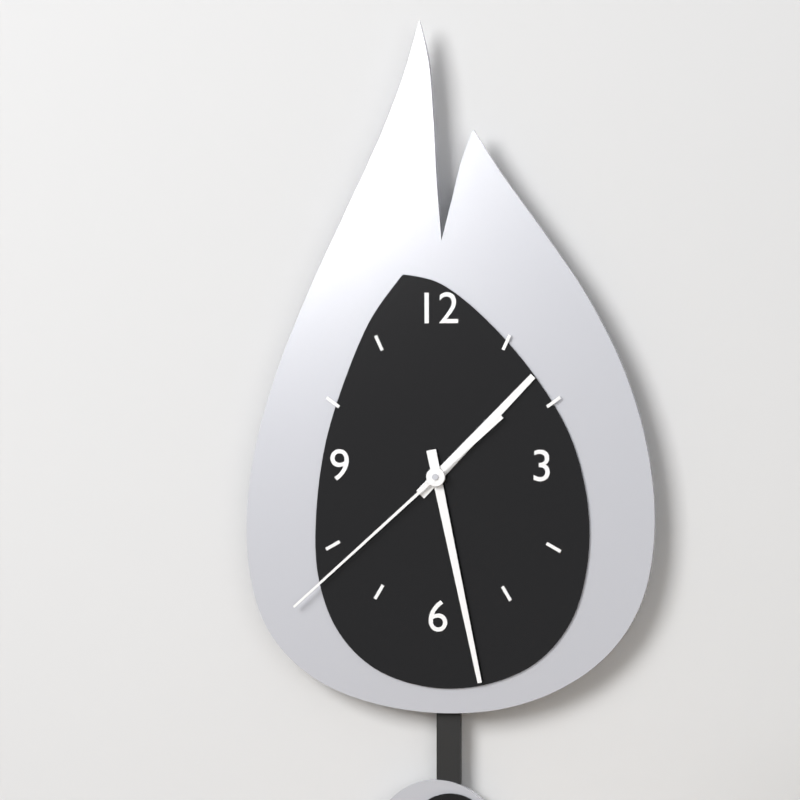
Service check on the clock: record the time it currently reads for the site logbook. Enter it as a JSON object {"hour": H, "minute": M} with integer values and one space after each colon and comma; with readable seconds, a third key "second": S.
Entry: {"hour": 1, "minute": 28, "second": 38}
